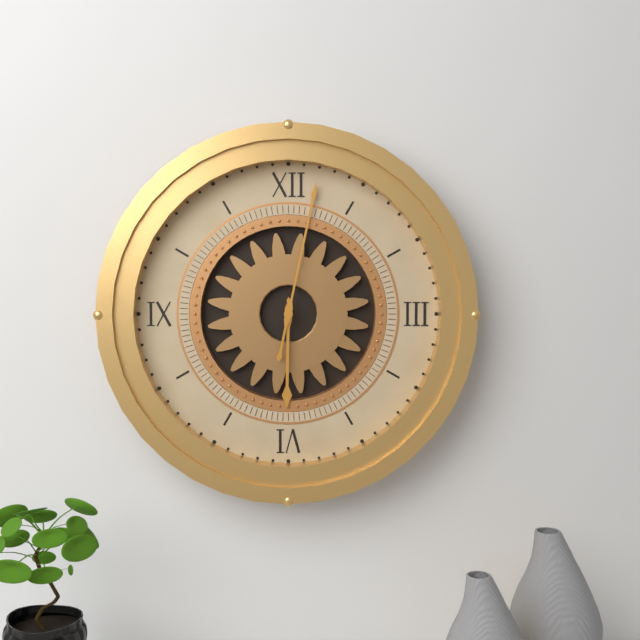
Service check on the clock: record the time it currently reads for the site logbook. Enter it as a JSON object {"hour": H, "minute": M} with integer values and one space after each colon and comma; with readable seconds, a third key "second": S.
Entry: {"hour": 6, "minute": 2}
